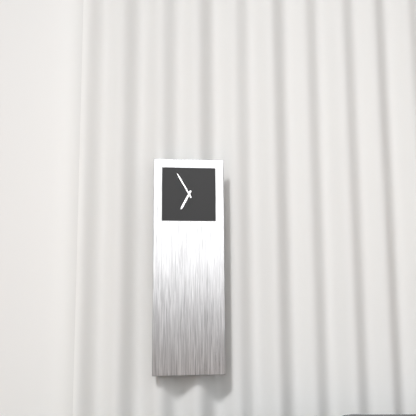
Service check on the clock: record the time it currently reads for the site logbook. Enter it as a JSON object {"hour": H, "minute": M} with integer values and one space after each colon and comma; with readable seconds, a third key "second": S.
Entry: {"hour": 6, "minute": 55}
